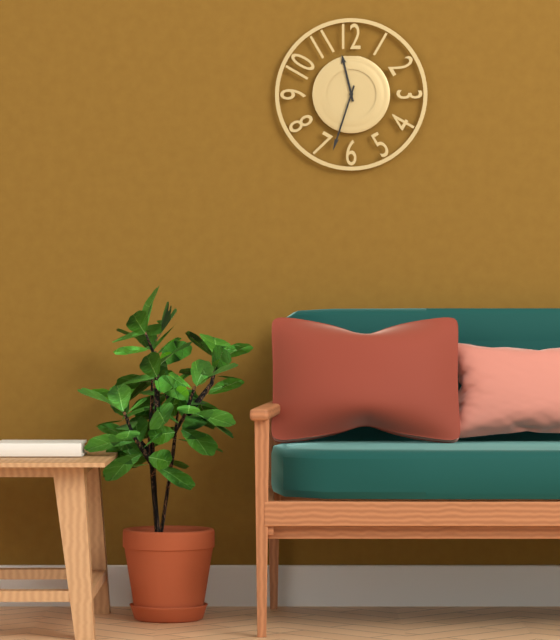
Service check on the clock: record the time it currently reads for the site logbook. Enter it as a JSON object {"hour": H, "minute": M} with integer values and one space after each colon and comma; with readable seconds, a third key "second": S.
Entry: {"hour": 11, "minute": 33}
